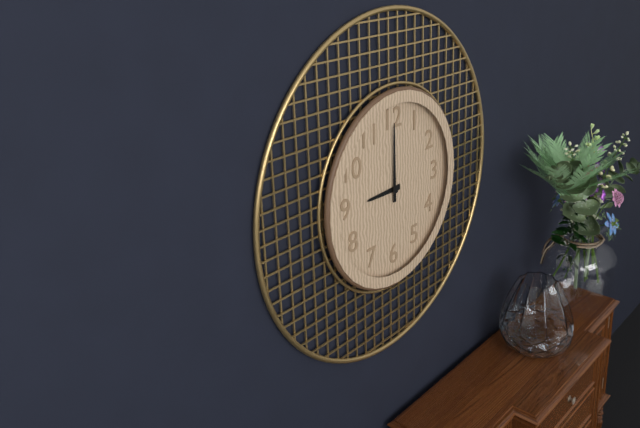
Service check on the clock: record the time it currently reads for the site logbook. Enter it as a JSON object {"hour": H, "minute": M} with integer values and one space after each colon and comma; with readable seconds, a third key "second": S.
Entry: {"hour": 9, "minute": 0}
